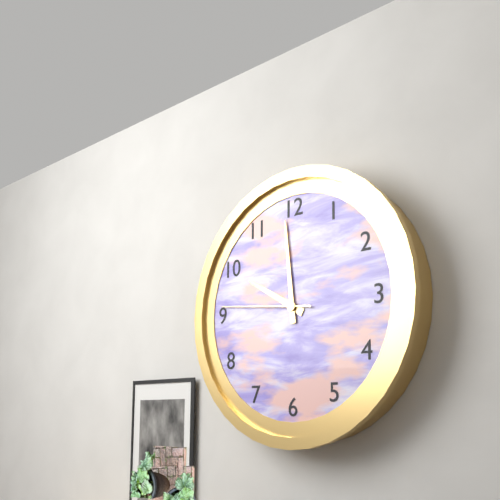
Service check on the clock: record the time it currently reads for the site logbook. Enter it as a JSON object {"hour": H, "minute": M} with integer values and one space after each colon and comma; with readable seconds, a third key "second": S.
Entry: {"hour": 9, "minute": 59, "second": 46}
